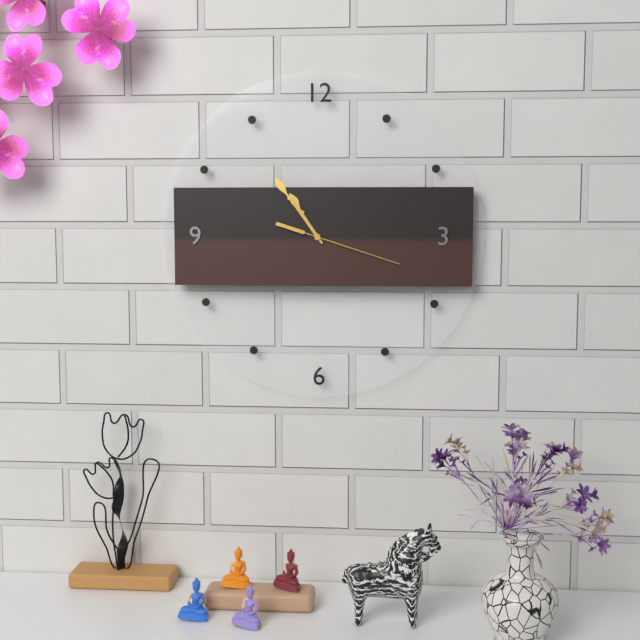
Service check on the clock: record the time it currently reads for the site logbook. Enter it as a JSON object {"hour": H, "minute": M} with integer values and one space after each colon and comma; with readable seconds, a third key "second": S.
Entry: {"hour": 10, "minute": 54, "second": 18}
